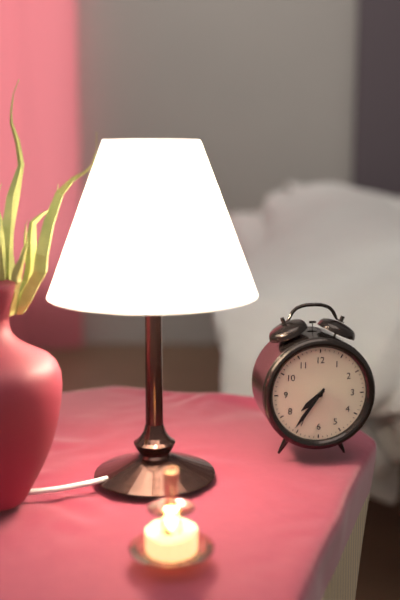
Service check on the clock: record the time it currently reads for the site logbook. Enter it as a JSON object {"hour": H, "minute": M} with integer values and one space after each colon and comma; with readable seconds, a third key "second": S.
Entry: {"hour": 7, "minute": 36}
